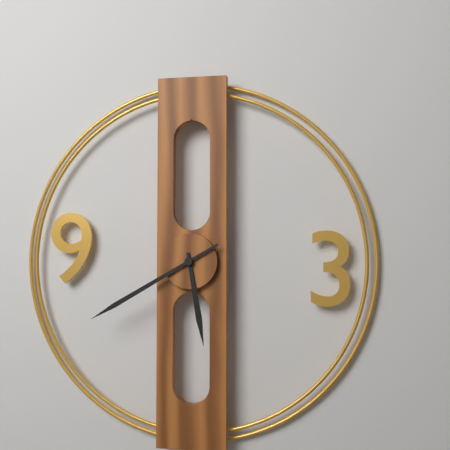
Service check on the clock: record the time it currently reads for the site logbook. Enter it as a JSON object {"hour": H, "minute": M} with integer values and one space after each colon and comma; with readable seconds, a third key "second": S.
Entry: {"hour": 5, "minute": 40}
